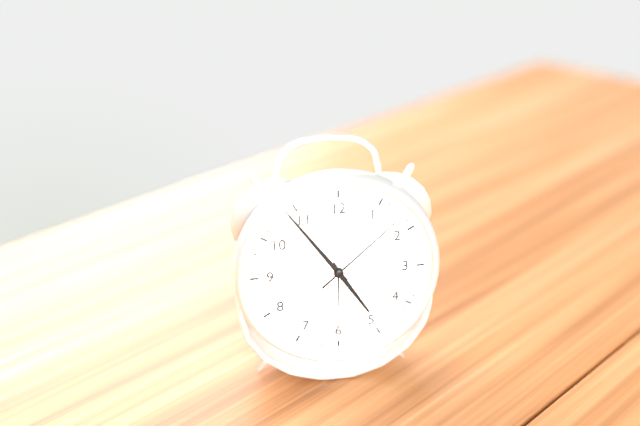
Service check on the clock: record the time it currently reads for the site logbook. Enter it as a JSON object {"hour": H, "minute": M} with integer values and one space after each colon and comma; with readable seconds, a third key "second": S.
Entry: {"hour": 4, "minute": 54, "second": 8}
